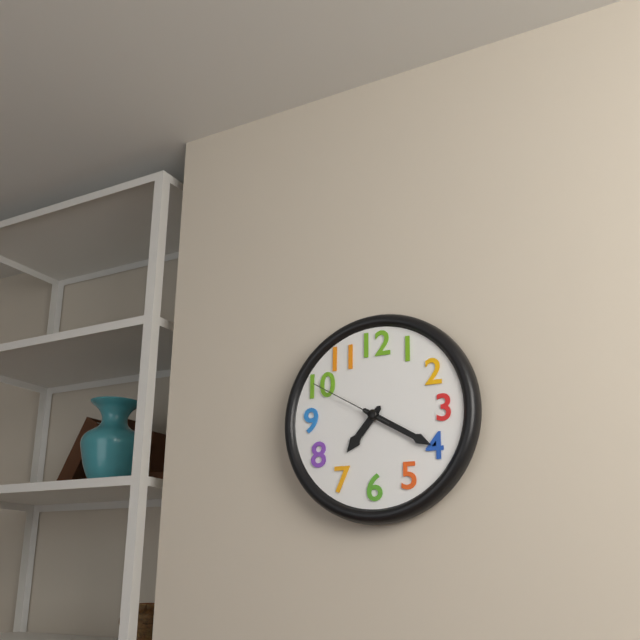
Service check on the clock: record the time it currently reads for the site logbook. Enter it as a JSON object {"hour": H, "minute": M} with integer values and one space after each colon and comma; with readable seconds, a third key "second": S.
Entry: {"hour": 7, "minute": 20, "second": 50}
